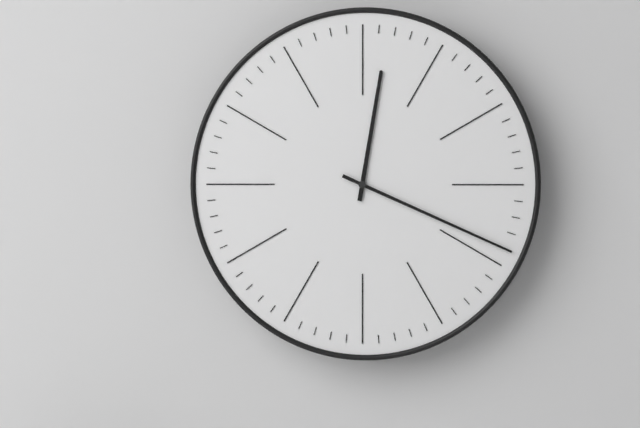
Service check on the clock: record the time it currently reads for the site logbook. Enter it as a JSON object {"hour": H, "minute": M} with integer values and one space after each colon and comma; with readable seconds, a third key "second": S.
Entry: {"hour": 12, "minute": 19}
